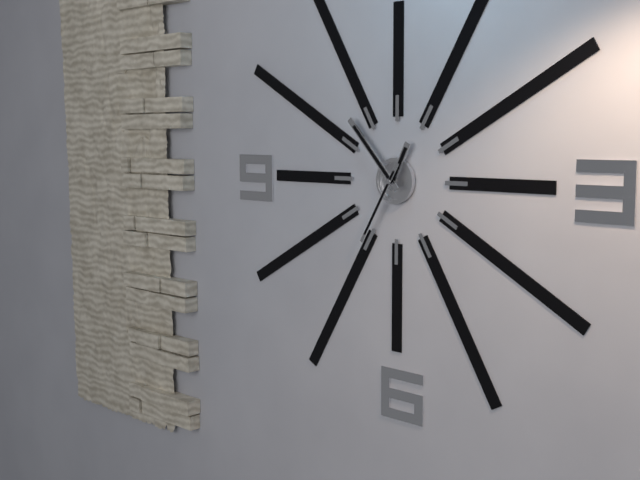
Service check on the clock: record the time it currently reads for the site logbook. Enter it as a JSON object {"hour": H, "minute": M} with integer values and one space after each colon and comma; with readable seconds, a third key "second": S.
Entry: {"hour": 12, "minute": 53, "second": 35}
